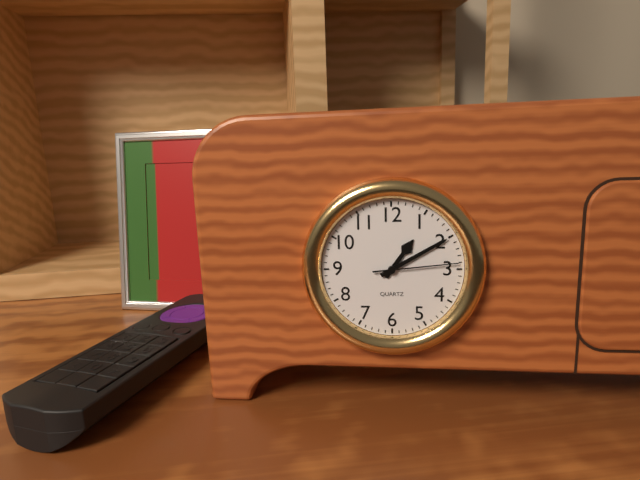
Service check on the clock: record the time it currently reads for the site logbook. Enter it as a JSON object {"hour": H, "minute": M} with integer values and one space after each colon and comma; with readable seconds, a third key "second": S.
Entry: {"hour": 1, "minute": 10, "second": 14}
